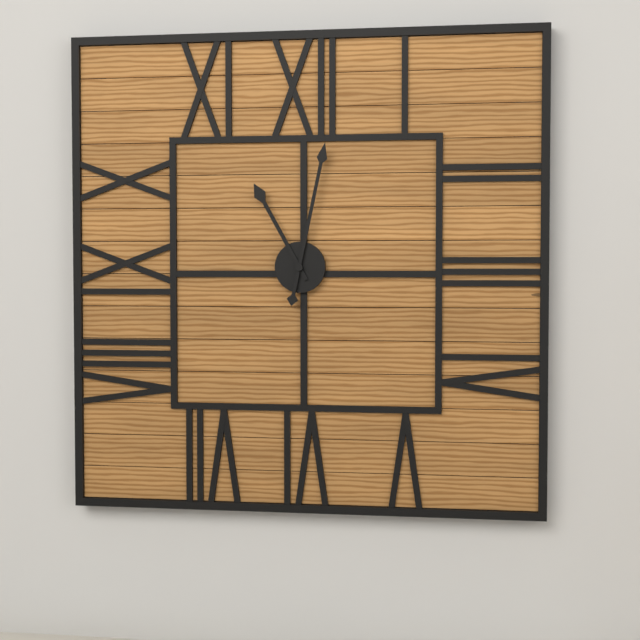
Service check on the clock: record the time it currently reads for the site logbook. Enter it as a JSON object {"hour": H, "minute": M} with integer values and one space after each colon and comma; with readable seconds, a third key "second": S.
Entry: {"hour": 11, "minute": 2}
